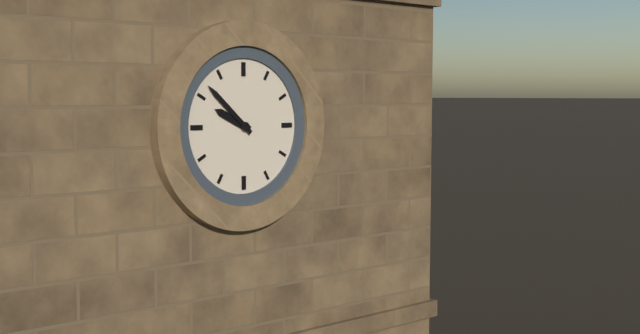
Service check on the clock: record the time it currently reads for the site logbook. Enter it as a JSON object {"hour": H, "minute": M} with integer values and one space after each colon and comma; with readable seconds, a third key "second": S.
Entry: {"hour": 9, "minute": 52}
